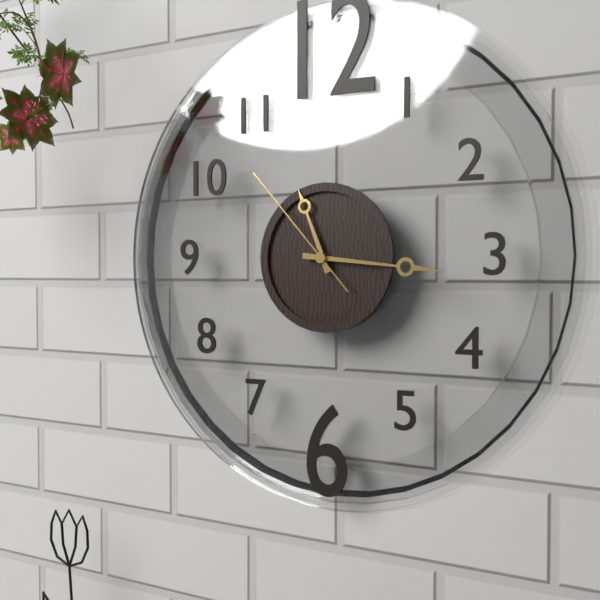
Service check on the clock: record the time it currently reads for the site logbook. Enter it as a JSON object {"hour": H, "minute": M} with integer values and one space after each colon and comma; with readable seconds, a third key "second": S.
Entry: {"hour": 11, "minute": 16, "second": 53}
